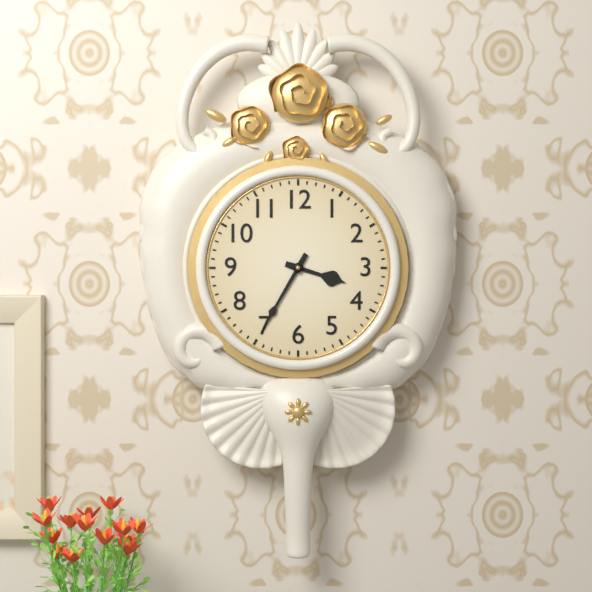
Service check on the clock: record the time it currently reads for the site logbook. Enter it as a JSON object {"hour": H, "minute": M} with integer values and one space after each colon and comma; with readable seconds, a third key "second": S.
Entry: {"hour": 3, "minute": 35}
